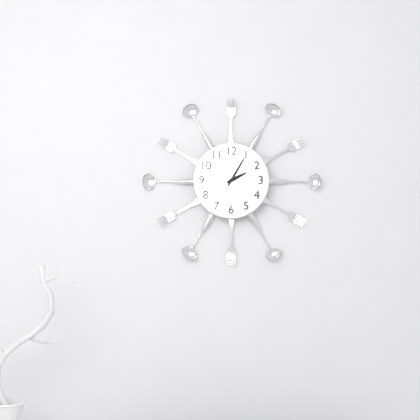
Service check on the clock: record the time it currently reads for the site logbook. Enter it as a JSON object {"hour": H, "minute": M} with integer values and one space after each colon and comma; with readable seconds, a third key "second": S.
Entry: {"hour": 2, "minute": 5}
